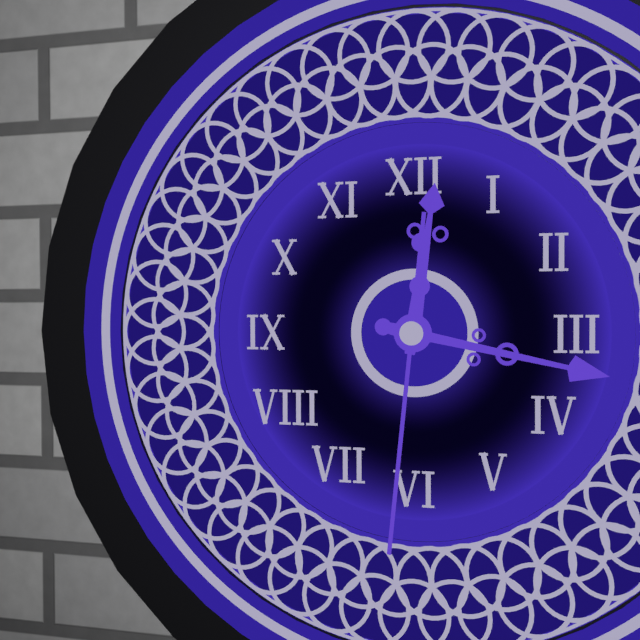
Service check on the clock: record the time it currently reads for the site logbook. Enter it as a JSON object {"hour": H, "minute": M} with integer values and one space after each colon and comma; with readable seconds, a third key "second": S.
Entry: {"hour": 12, "minute": 17, "second": 31}
